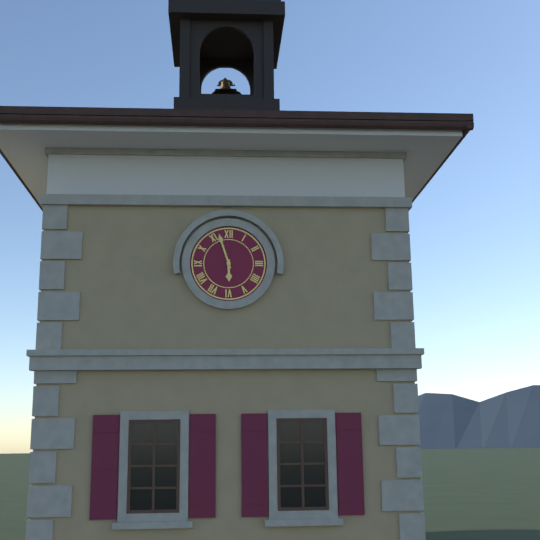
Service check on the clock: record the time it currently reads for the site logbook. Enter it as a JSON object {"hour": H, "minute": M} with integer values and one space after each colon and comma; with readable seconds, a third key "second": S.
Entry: {"hour": 5, "minute": 57}
